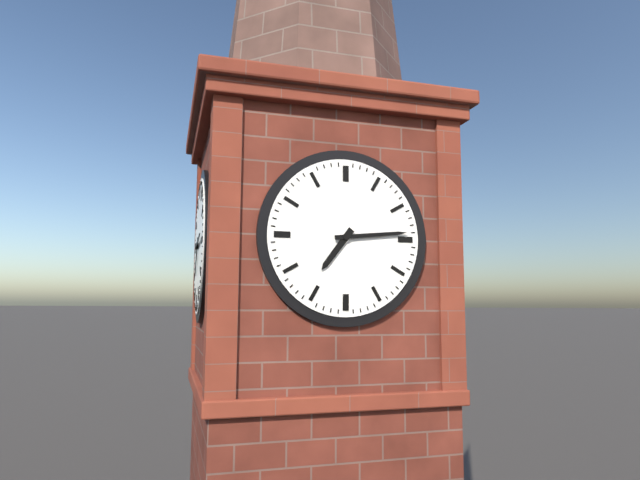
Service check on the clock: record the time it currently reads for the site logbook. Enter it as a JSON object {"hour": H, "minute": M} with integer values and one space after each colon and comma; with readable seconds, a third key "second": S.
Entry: {"hour": 7, "minute": 14}
